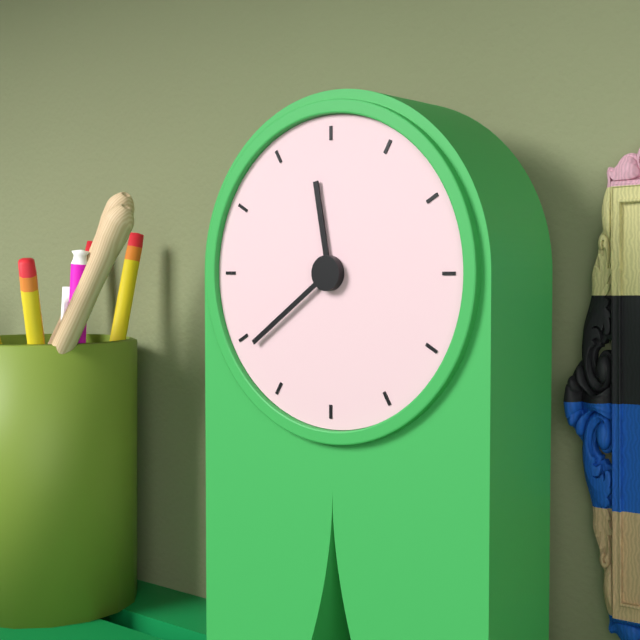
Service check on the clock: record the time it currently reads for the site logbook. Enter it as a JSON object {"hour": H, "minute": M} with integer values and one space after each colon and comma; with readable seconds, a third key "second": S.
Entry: {"hour": 11, "minute": 39}
